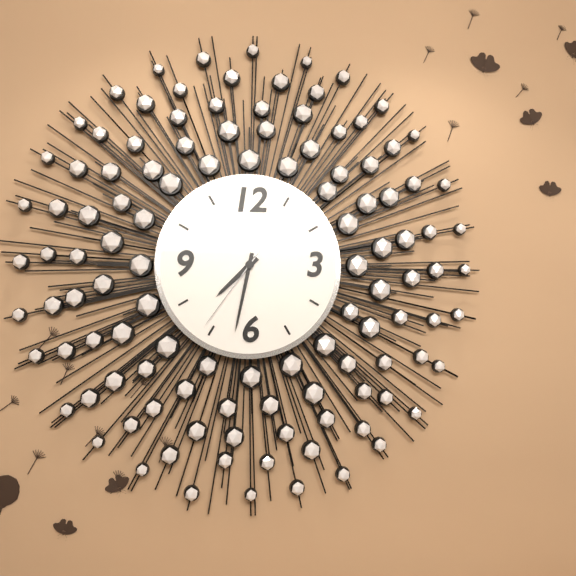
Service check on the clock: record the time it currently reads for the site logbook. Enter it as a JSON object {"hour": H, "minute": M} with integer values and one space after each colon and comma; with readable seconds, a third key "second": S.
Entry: {"hour": 7, "minute": 32, "second": 36}
